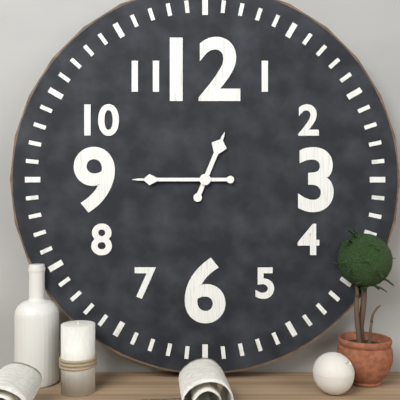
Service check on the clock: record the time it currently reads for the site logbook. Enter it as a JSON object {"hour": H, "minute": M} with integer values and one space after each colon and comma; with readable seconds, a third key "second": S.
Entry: {"hour": 12, "minute": 45}
